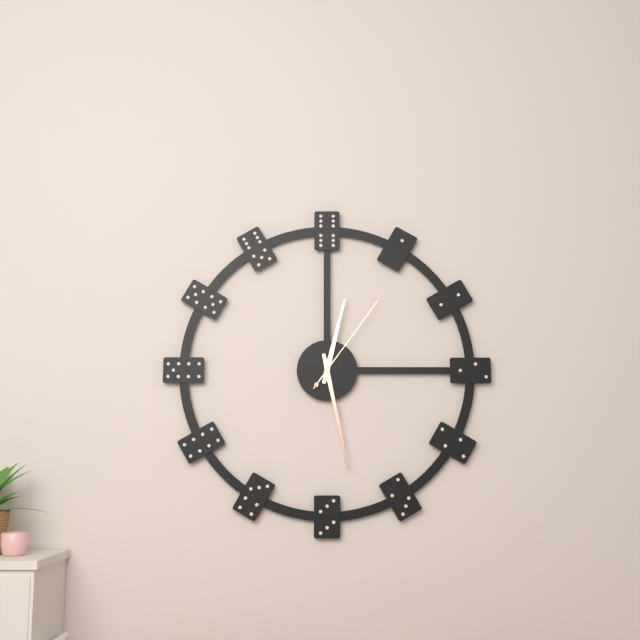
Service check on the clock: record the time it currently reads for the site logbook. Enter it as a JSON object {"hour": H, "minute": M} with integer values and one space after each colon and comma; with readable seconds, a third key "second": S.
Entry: {"hour": 12, "minute": 28, "second": 6}
